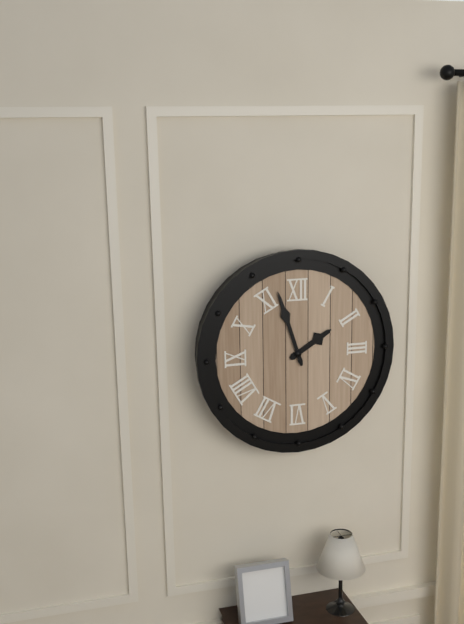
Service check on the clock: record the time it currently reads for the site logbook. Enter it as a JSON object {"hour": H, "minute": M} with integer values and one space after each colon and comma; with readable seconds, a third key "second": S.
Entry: {"hour": 1, "minute": 57}
